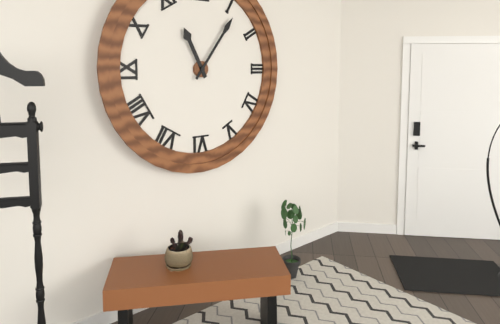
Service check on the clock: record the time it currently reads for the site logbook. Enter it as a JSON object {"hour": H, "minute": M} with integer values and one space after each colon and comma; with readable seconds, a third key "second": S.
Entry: {"hour": 11, "minute": 6}
